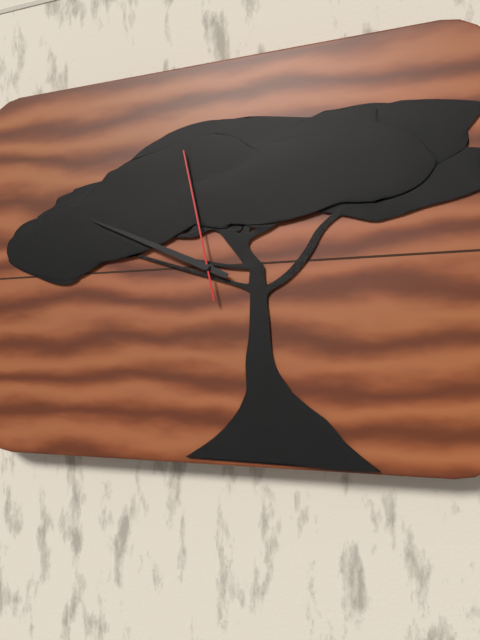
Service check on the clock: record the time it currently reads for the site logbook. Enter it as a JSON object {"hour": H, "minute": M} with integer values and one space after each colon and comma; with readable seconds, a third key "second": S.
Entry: {"hour": 9, "minute": 49, "second": 58}
